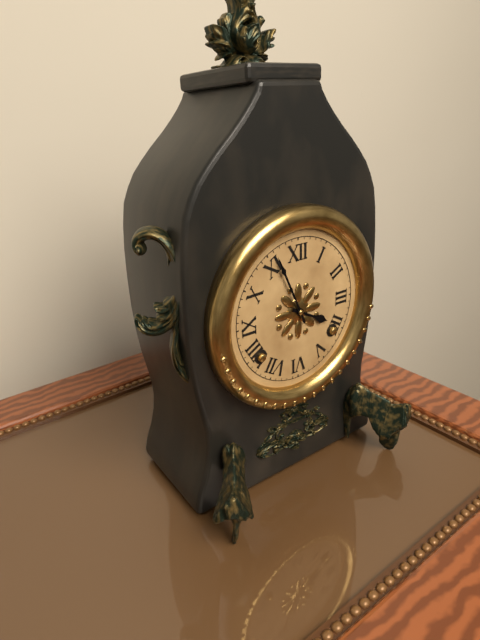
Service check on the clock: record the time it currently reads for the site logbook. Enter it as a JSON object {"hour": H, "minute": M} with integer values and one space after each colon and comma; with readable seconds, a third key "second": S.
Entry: {"hour": 3, "minute": 56}
